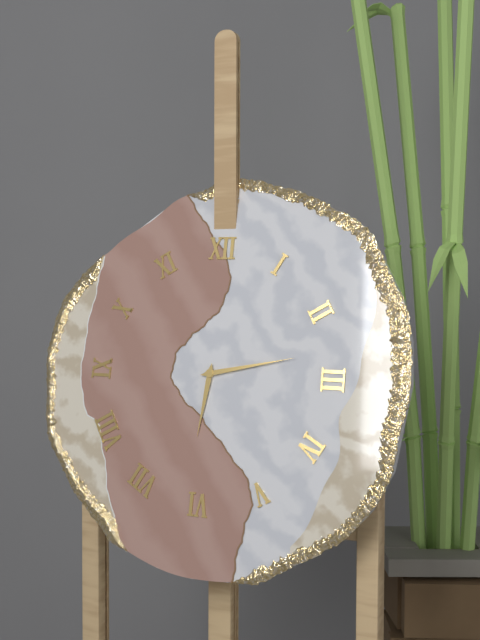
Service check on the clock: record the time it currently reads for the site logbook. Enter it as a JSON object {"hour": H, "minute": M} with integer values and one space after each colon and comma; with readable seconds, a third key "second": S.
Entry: {"hour": 6, "minute": 13}
